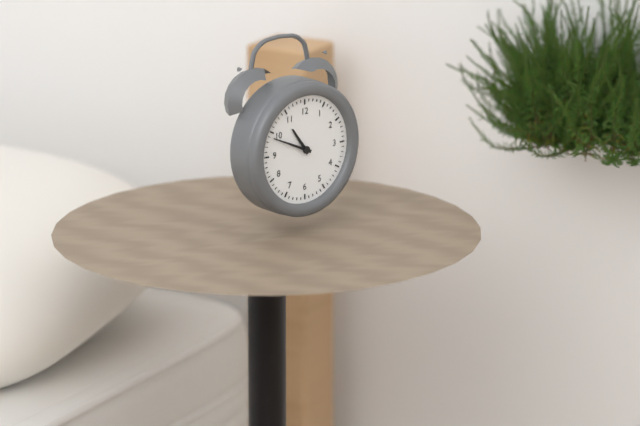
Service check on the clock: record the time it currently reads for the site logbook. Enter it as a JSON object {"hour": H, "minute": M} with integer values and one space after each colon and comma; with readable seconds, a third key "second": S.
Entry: {"hour": 10, "minute": 49}
